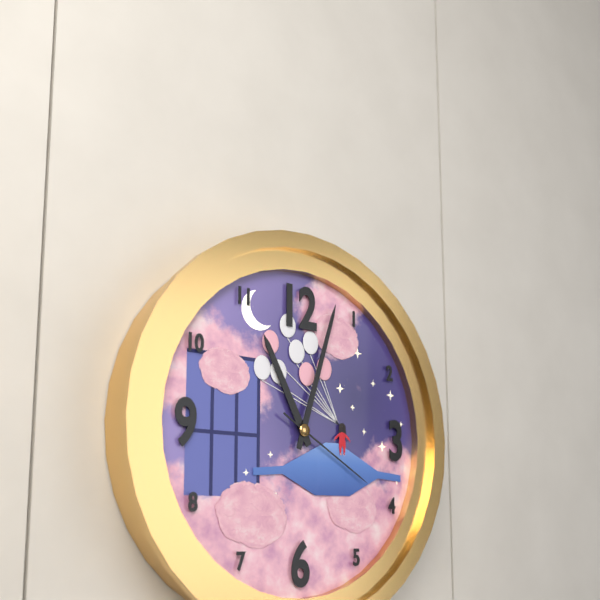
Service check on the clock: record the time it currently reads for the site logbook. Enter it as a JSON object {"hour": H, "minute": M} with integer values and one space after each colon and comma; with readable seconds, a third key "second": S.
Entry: {"hour": 11, "minute": 3, "second": 20}
